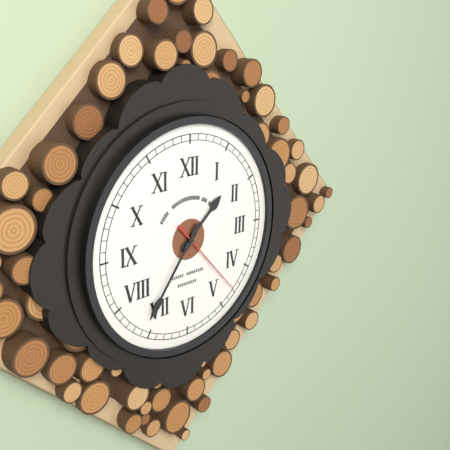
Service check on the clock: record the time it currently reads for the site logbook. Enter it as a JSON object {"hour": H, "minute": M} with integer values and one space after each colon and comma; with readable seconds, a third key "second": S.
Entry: {"hour": 1, "minute": 36, "second": 23}
